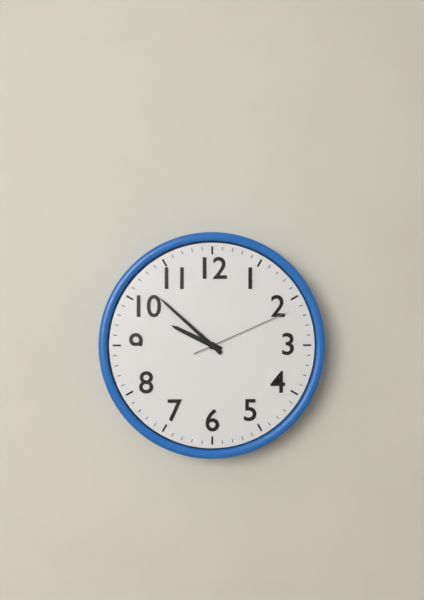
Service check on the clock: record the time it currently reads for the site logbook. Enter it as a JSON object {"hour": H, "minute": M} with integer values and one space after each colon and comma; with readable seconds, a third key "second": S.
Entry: {"hour": 9, "minute": 52, "second": 11}
